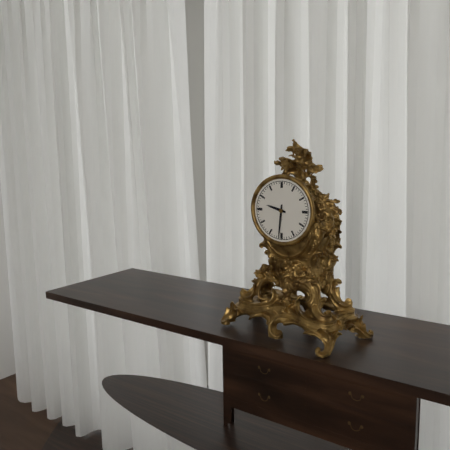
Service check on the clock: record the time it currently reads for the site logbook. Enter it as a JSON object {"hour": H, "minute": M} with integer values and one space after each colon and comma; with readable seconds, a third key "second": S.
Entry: {"hour": 9, "minute": 31}
